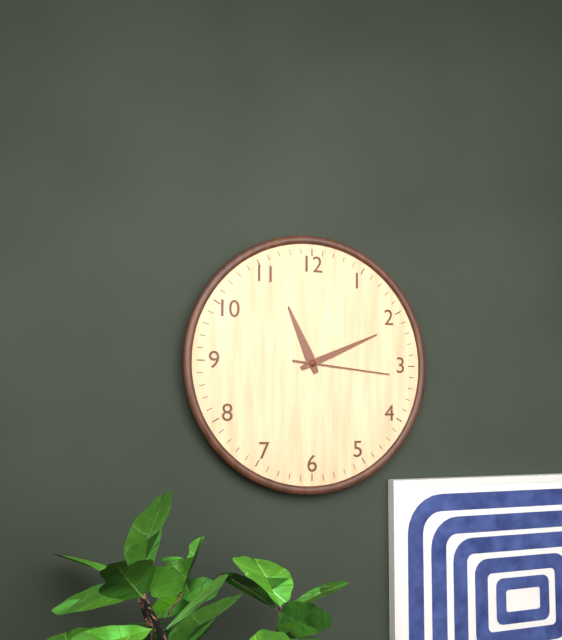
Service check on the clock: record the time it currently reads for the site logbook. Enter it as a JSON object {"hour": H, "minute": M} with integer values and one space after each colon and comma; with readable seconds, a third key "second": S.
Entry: {"hour": 11, "minute": 11, "second": 16}
